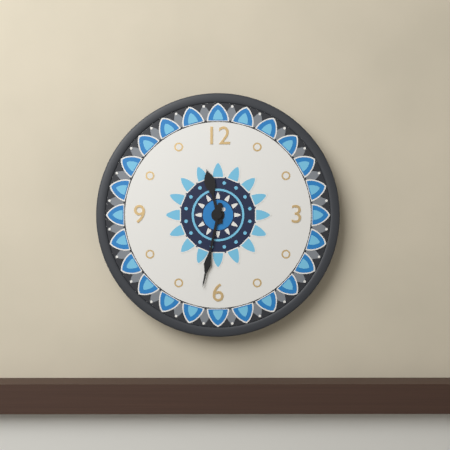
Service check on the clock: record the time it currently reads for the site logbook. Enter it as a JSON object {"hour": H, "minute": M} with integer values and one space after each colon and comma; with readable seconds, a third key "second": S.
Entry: {"hour": 11, "minute": 32}
